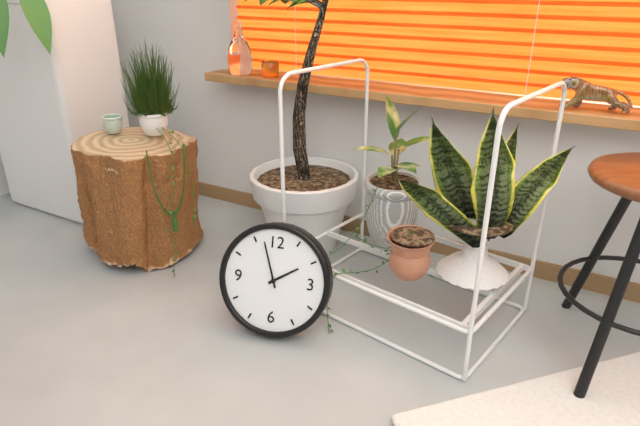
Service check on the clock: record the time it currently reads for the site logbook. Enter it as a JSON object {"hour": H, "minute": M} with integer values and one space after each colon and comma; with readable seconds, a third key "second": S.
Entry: {"hour": 1, "minute": 57}
